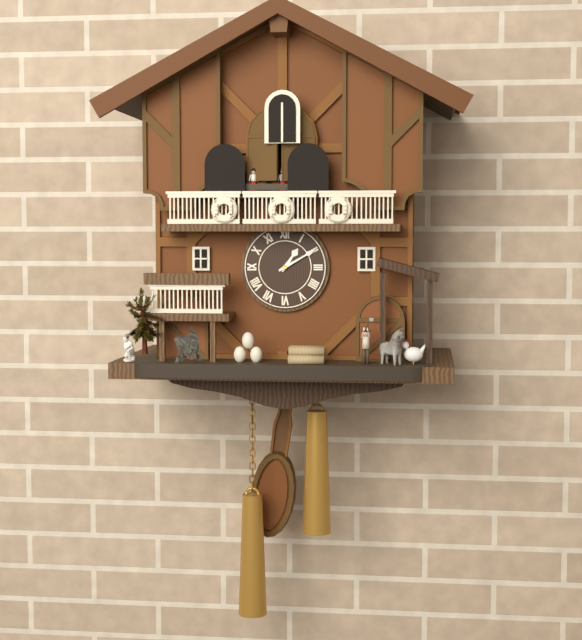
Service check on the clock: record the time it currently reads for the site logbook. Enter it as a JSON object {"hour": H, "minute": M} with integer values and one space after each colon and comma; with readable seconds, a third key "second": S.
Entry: {"hour": 1, "minute": 10}
